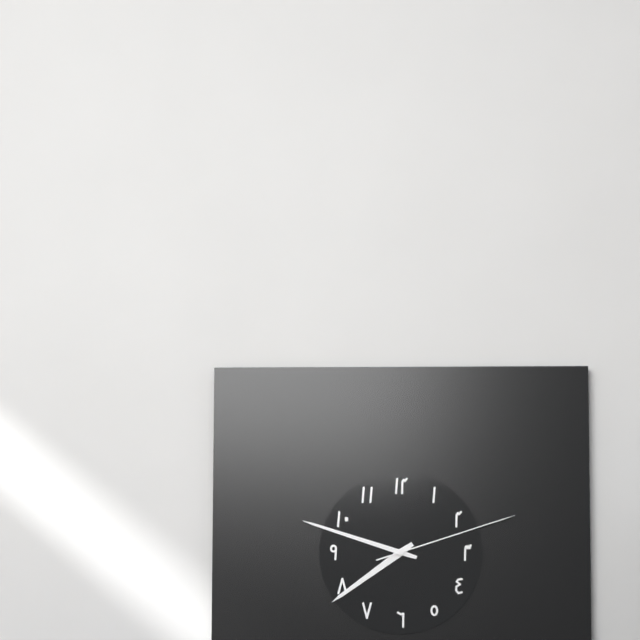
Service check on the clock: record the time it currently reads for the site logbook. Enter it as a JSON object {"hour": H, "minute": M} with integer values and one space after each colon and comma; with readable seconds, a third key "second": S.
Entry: {"hour": 7, "minute": 48, "second": 12}
